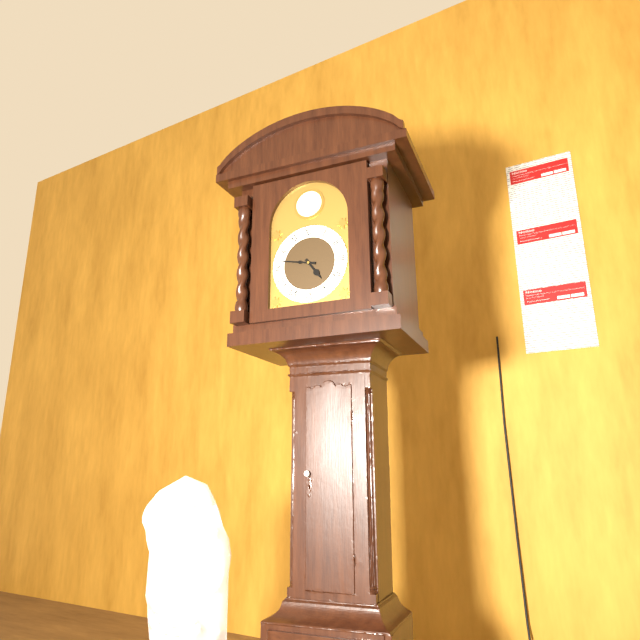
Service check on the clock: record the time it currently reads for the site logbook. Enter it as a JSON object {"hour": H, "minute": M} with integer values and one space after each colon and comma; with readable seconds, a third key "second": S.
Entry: {"hour": 4, "minute": 47}
